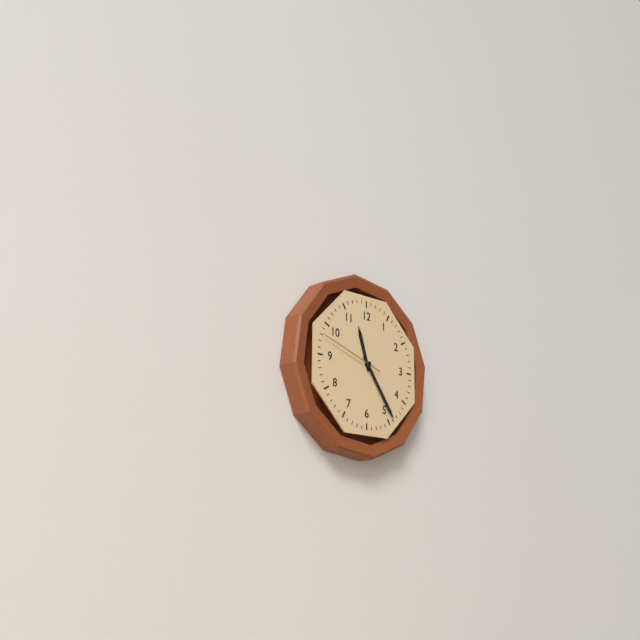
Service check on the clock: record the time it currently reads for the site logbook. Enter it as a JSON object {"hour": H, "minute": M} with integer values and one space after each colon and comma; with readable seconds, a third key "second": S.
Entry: {"hour": 11, "minute": 24, "second": 48}
